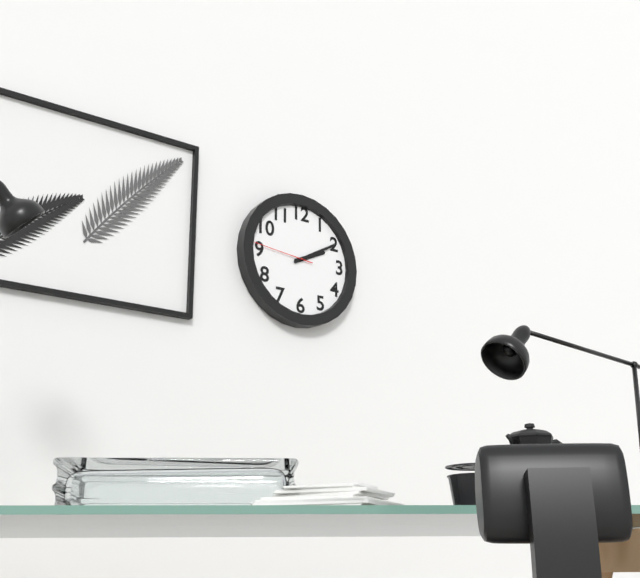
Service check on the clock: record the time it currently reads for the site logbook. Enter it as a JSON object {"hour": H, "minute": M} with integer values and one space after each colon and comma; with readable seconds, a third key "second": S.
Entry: {"hour": 2, "minute": 10, "second": 46}
